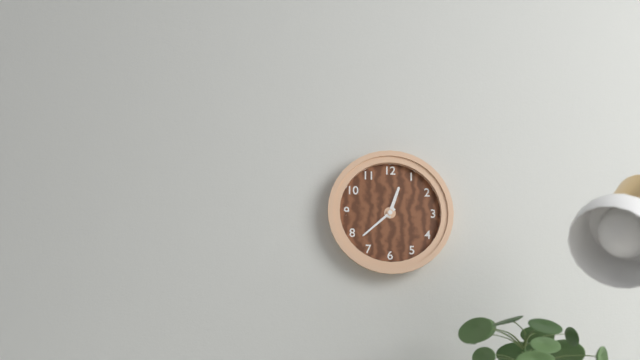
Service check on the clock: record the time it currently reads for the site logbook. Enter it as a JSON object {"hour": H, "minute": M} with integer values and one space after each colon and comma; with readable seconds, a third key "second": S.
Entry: {"hour": 12, "minute": 38}
